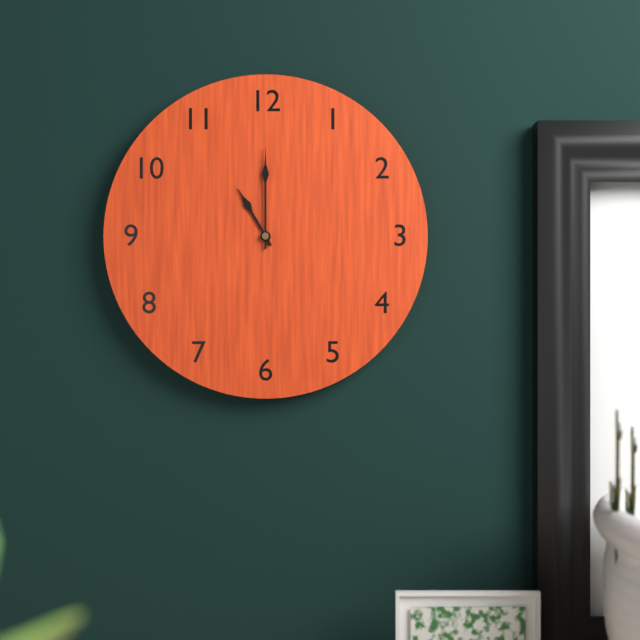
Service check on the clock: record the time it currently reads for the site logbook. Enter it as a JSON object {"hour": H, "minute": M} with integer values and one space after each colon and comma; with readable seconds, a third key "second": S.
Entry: {"hour": 11, "minute": 0}
